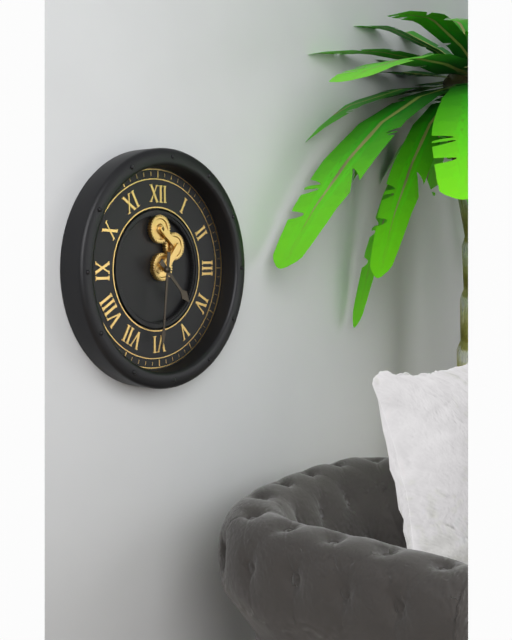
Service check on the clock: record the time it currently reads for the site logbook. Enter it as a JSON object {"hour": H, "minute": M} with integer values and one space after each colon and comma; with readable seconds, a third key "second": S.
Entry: {"hour": 4, "minute": 31}
